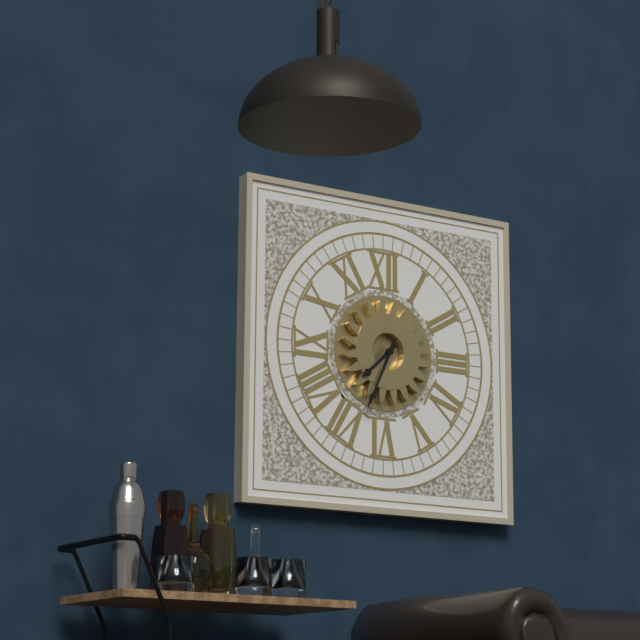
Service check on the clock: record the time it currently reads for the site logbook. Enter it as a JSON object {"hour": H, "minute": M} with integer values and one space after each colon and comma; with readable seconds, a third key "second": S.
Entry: {"hour": 7, "minute": 34}
